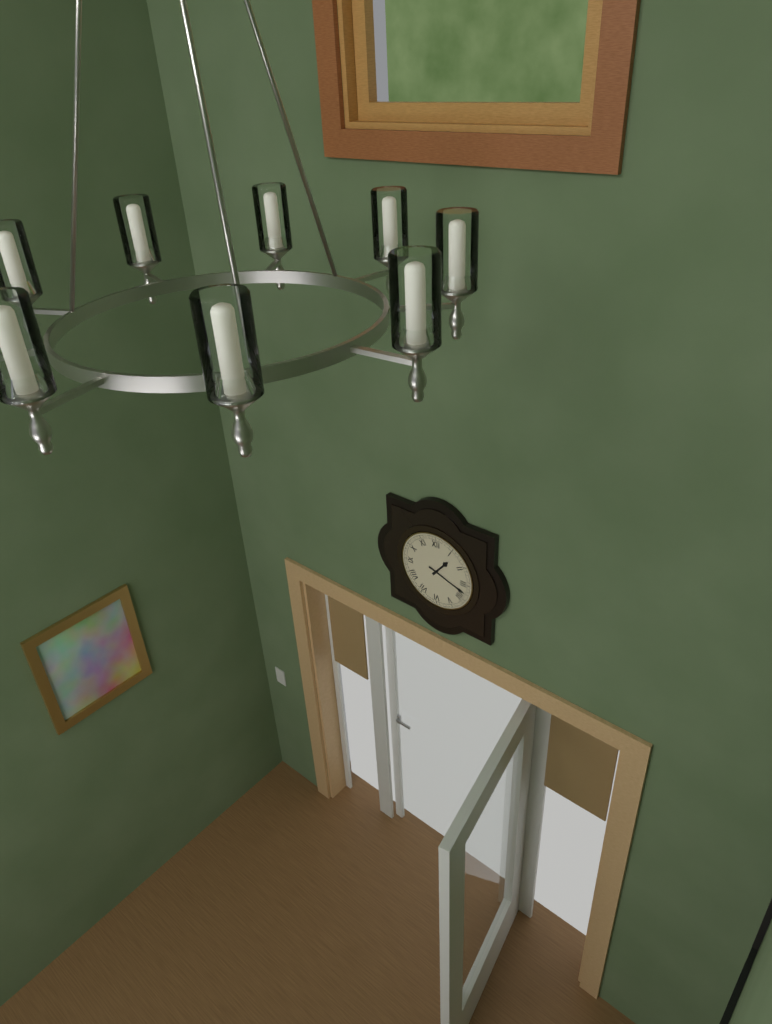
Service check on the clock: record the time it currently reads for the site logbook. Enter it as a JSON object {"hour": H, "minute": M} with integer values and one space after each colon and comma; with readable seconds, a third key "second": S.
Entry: {"hour": 1, "minute": 18}
